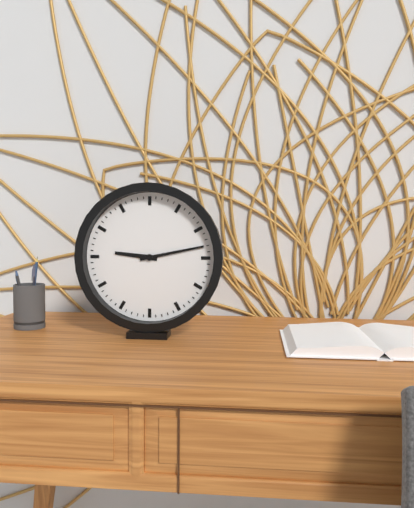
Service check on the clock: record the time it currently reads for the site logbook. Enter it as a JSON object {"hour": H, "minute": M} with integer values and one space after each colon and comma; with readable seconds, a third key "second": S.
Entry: {"hour": 9, "minute": 13}
